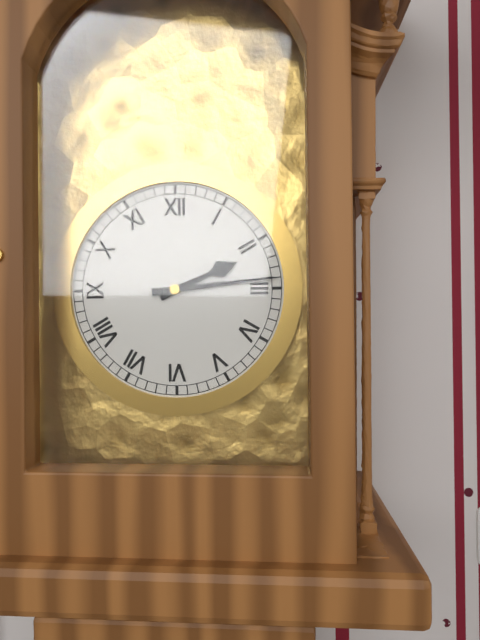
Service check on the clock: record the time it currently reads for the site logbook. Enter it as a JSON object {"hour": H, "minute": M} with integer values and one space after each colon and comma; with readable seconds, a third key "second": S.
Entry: {"hour": 2, "minute": 14}
